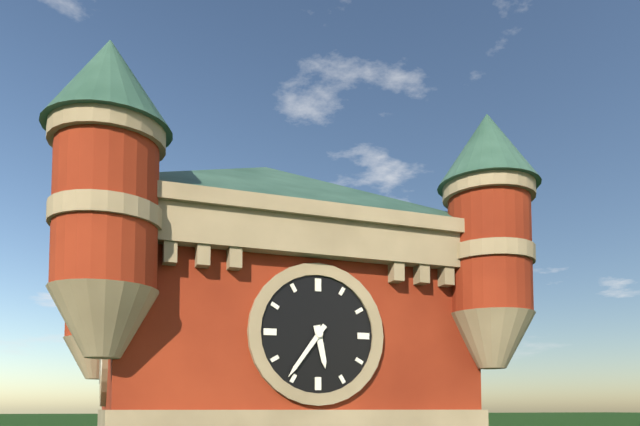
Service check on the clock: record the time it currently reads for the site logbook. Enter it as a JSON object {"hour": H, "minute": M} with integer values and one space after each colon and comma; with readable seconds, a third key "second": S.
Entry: {"hour": 5, "minute": 36}
